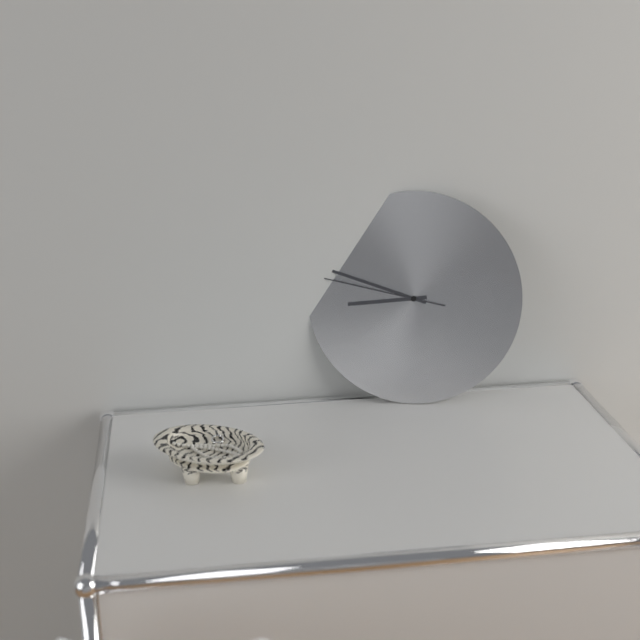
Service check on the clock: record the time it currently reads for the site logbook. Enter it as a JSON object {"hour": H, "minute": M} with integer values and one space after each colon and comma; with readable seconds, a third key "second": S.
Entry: {"hour": 8, "minute": 48, "second": 47}
